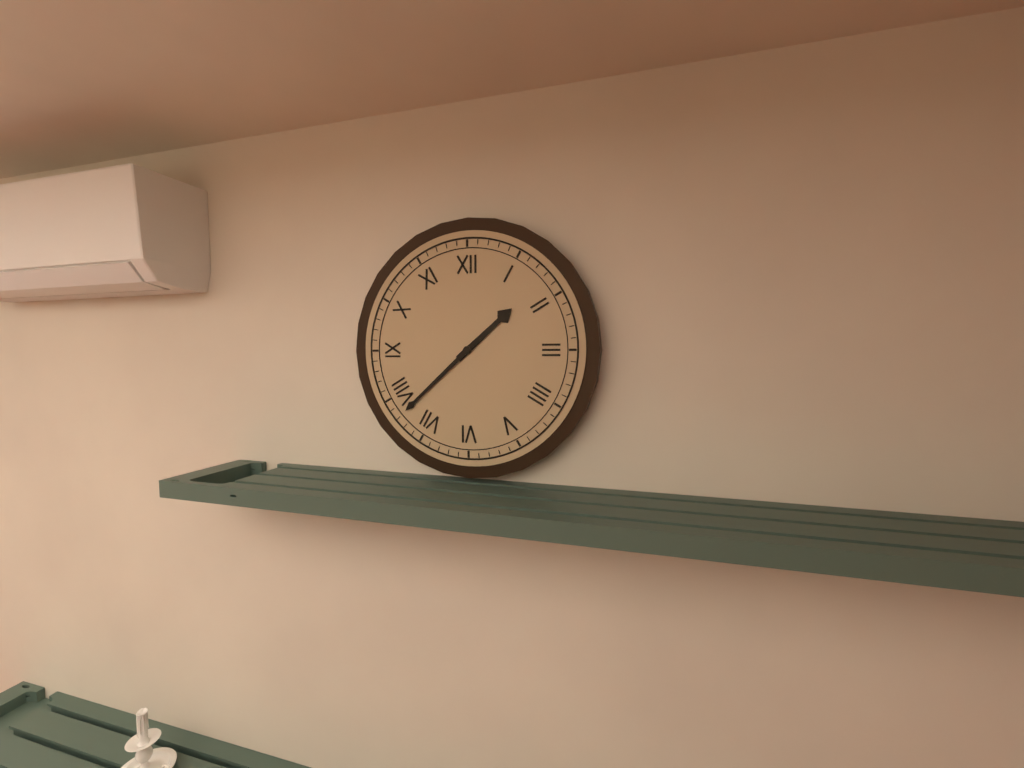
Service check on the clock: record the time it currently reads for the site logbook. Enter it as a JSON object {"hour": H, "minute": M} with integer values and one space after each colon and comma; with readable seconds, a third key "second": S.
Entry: {"hour": 1, "minute": 38}
